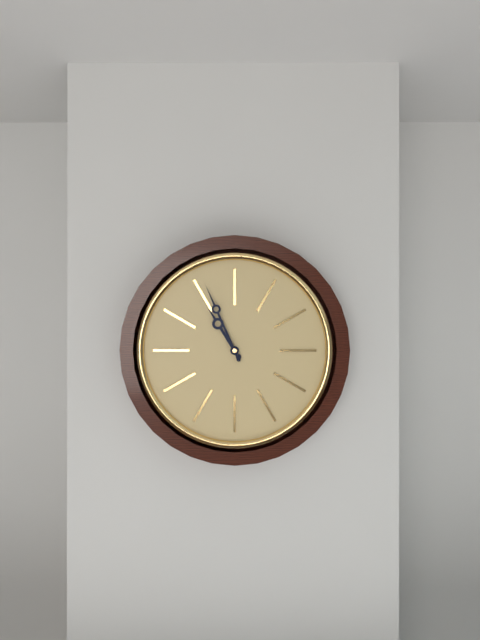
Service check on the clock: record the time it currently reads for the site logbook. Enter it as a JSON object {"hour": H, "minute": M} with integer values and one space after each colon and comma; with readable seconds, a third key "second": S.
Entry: {"hour": 10, "minute": 56}
